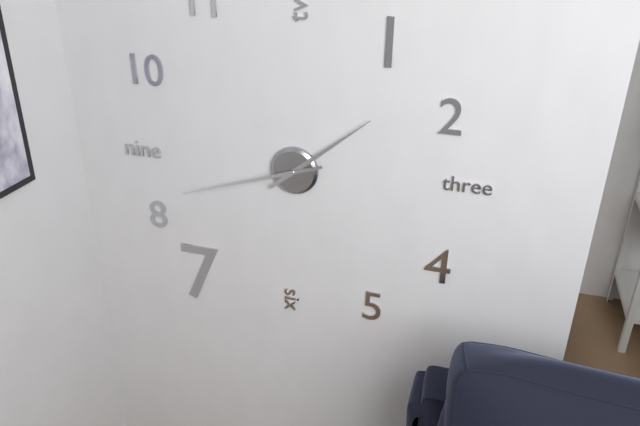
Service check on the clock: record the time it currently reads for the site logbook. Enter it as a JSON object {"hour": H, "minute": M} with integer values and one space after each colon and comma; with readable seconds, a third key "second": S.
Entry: {"hour": 1, "minute": 42}
